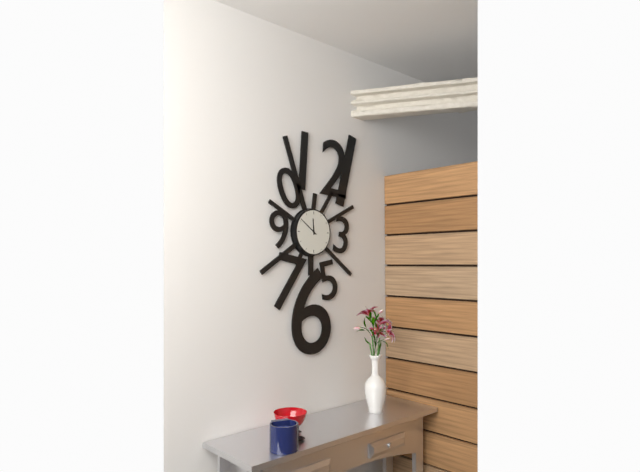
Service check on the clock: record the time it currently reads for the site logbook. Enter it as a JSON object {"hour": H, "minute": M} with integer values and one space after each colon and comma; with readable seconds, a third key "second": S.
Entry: {"hour": 11, "minute": 51}
